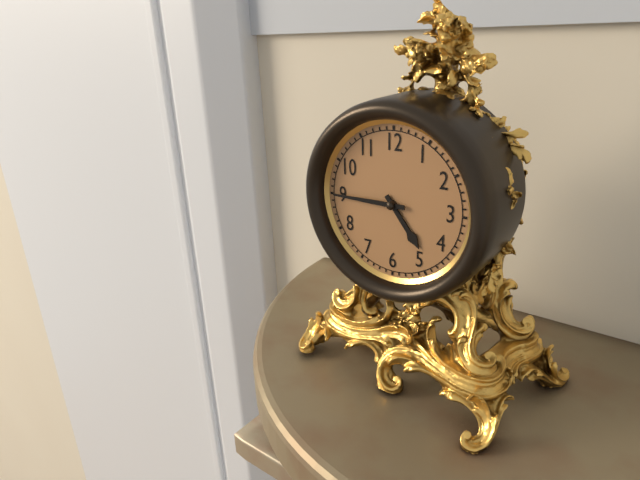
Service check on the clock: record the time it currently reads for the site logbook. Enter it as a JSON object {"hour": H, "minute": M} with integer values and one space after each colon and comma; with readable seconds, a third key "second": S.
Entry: {"hour": 4, "minute": 45}
